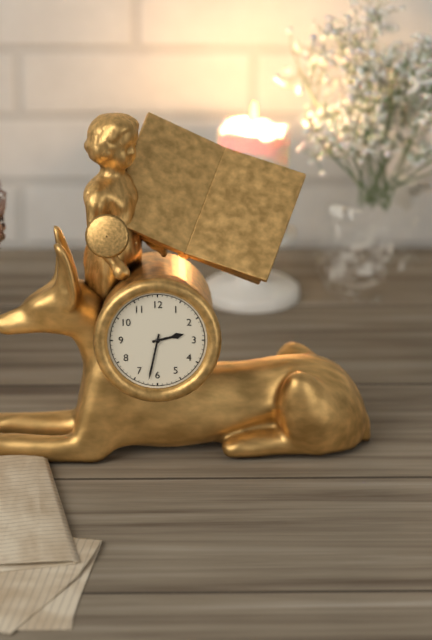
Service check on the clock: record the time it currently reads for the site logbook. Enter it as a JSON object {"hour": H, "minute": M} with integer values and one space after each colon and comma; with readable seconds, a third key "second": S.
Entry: {"hour": 2, "minute": 32}
